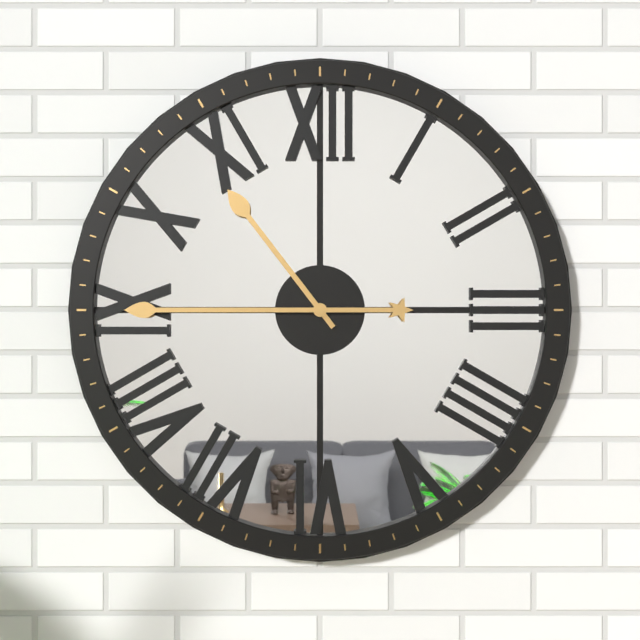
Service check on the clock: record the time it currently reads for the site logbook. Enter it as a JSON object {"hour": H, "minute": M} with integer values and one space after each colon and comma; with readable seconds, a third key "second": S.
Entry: {"hour": 10, "minute": 45}
